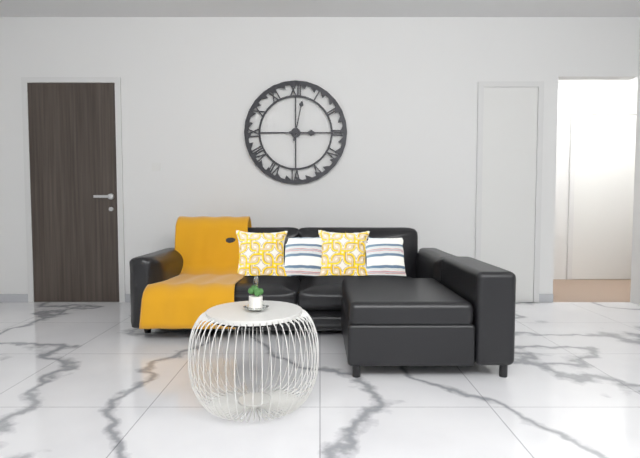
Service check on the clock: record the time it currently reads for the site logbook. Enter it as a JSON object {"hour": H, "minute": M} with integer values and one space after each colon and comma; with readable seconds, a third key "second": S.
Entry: {"hour": 3, "minute": 2}
